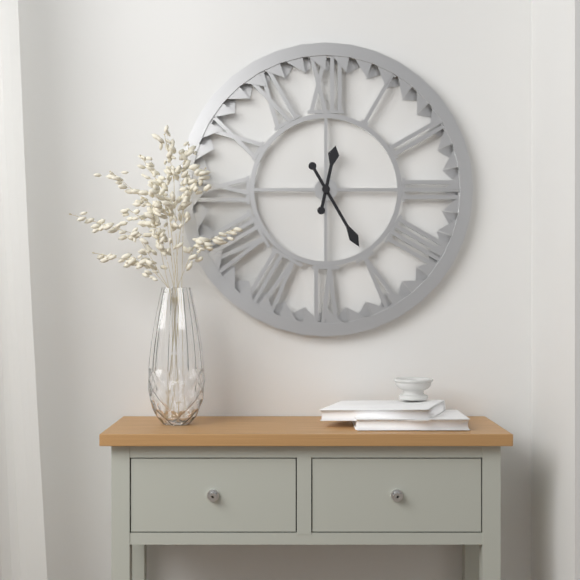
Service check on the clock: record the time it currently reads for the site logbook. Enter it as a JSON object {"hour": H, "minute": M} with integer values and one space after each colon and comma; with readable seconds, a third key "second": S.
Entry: {"hour": 12, "minute": 25}
